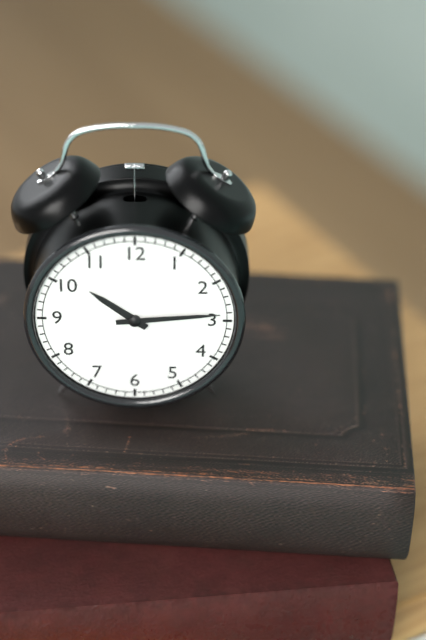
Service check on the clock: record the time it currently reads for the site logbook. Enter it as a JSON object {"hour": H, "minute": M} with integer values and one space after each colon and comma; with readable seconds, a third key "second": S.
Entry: {"hour": 10, "minute": 14}
